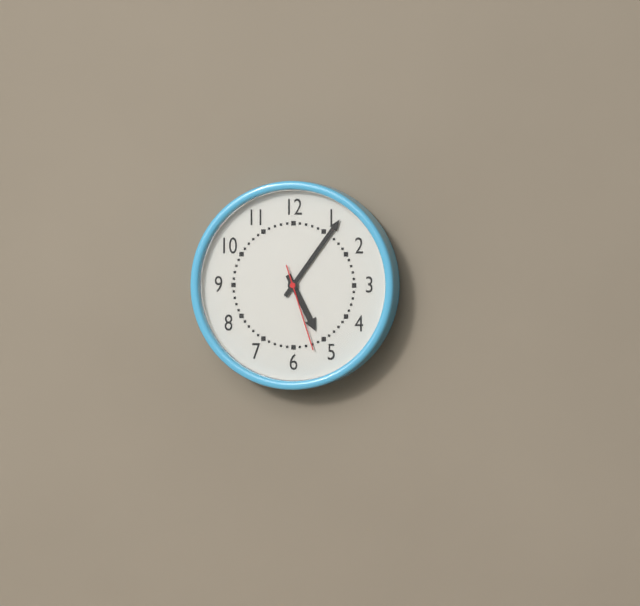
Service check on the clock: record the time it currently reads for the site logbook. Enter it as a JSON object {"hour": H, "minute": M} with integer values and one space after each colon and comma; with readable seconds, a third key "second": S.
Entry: {"hour": 5, "minute": 6, "second": 27}
